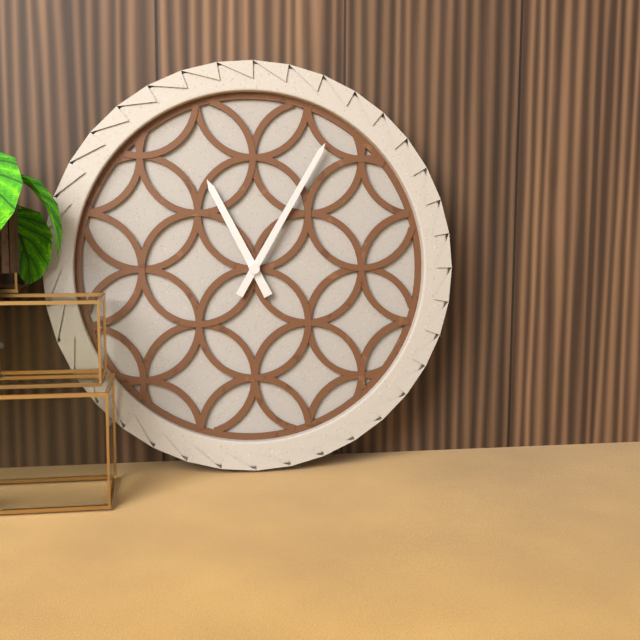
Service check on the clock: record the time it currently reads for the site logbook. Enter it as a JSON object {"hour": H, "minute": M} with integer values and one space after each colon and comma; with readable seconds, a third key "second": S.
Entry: {"hour": 11, "minute": 5}
